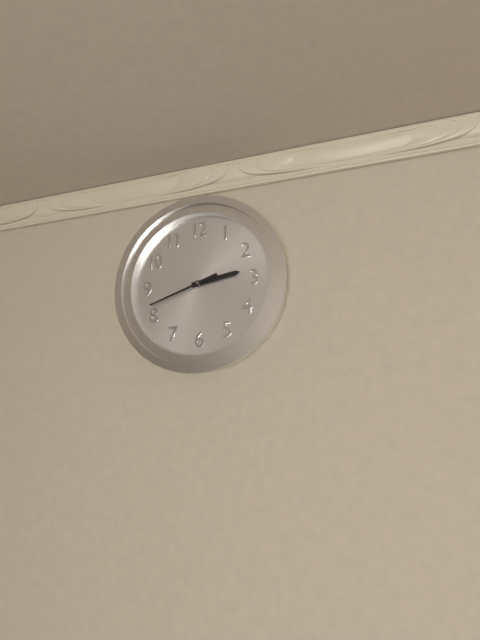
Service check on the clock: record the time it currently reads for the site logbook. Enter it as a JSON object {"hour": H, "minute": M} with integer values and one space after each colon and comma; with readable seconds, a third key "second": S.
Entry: {"hour": 2, "minute": 42}
